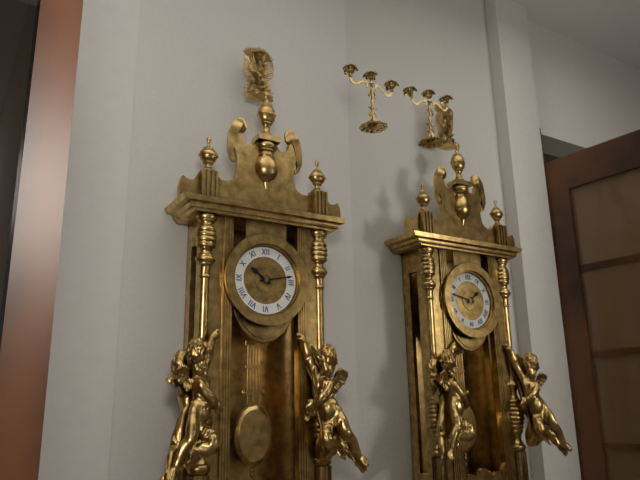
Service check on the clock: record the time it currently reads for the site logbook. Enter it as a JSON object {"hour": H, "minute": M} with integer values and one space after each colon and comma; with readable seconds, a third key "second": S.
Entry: {"hour": 10, "minute": 13}
